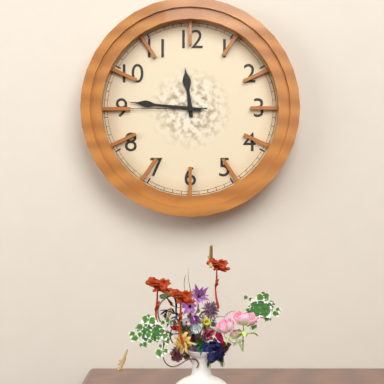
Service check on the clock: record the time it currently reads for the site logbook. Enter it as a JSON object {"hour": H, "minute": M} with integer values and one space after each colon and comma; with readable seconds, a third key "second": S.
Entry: {"hour": 11, "minute": 46, "second": 45}
